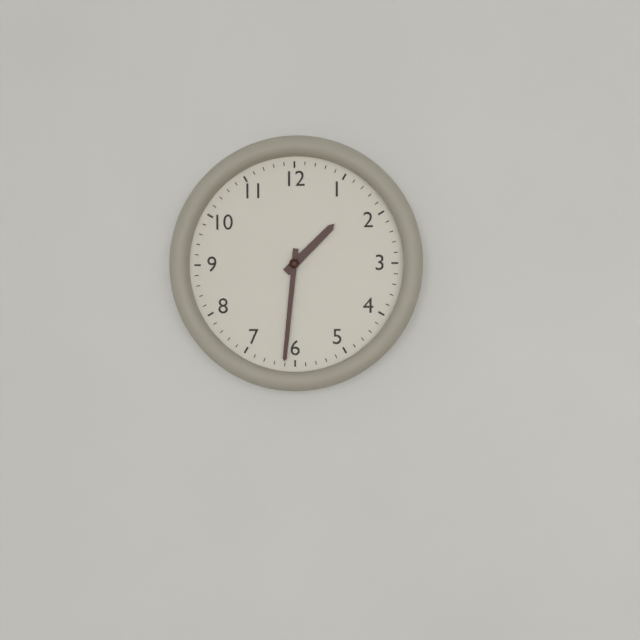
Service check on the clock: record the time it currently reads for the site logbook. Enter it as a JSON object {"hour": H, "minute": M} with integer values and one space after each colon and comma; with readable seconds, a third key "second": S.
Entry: {"hour": 1, "minute": 31}
